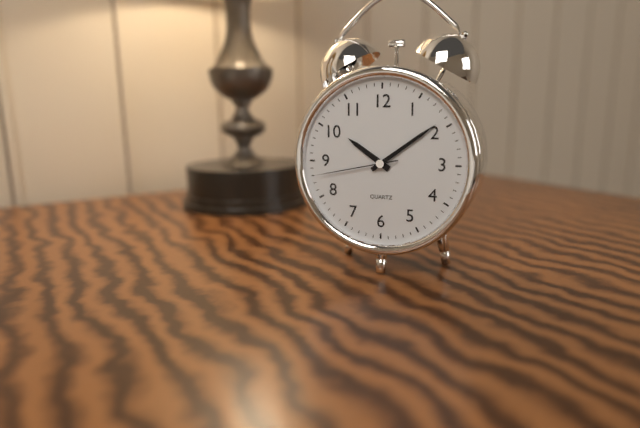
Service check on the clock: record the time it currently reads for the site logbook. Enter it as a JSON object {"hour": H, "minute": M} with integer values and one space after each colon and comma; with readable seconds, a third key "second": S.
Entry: {"hour": 10, "minute": 9, "second": 43}
